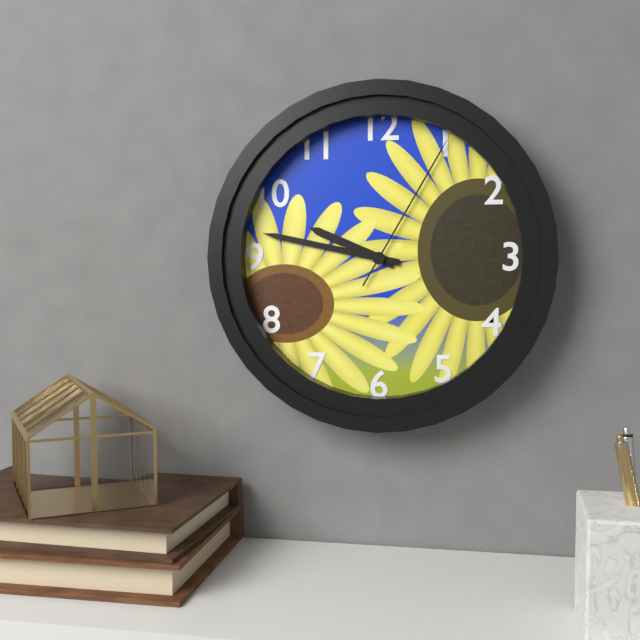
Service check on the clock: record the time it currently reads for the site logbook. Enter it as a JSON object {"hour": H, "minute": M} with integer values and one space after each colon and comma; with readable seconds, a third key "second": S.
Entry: {"hour": 9, "minute": 47, "second": 5}
